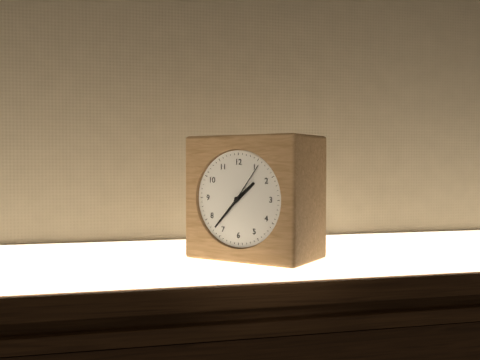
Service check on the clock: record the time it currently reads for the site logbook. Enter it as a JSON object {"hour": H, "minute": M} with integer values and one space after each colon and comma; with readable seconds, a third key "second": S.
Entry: {"hour": 1, "minute": 37}
